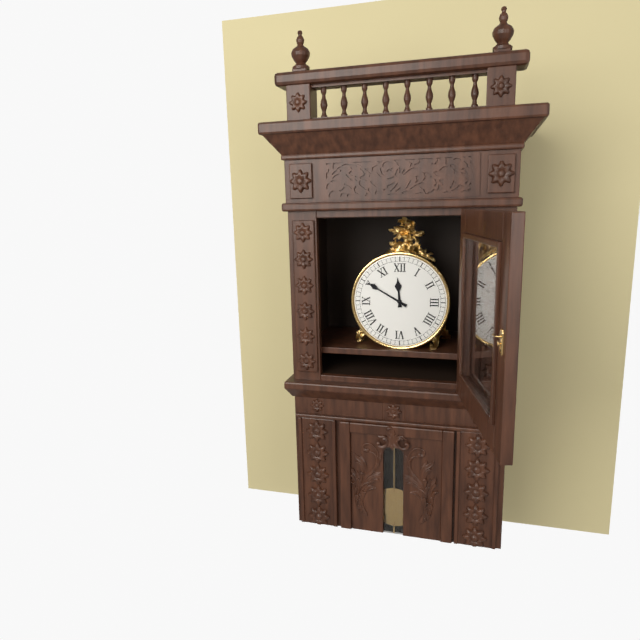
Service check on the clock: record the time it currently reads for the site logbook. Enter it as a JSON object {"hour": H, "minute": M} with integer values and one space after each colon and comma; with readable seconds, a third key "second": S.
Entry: {"hour": 11, "minute": 50}
